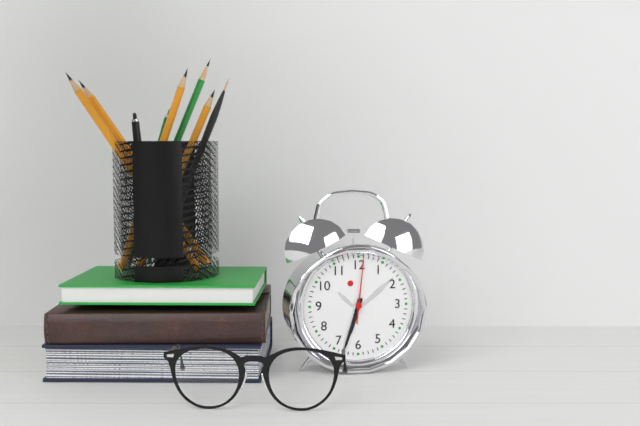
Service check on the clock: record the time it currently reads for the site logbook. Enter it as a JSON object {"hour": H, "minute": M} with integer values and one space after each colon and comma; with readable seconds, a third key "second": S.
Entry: {"hour": 6, "minute": 33, "second": 1}
